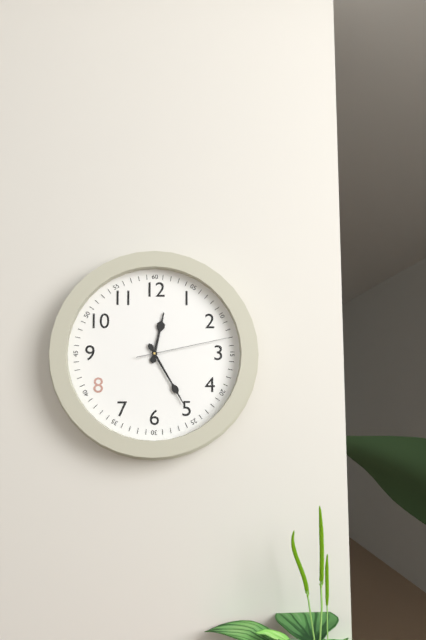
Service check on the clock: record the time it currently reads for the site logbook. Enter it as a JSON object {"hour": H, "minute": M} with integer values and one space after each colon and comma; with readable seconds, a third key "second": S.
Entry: {"hour": 12, "minute": 25, "second": 13}
